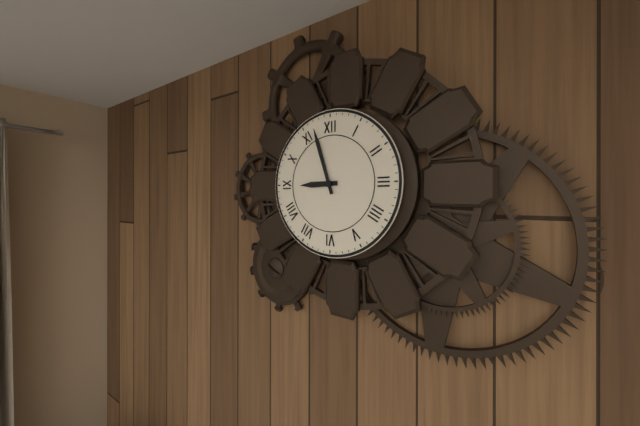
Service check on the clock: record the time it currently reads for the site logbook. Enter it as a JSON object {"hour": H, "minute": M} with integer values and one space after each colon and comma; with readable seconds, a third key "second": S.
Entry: {"hour": 8, "minute": 57}
